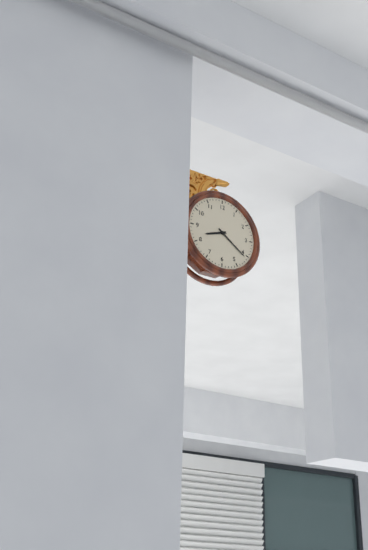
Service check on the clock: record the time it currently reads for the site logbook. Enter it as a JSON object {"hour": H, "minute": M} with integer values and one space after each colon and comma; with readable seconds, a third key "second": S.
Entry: {"hour": 8, "minute": 21}
